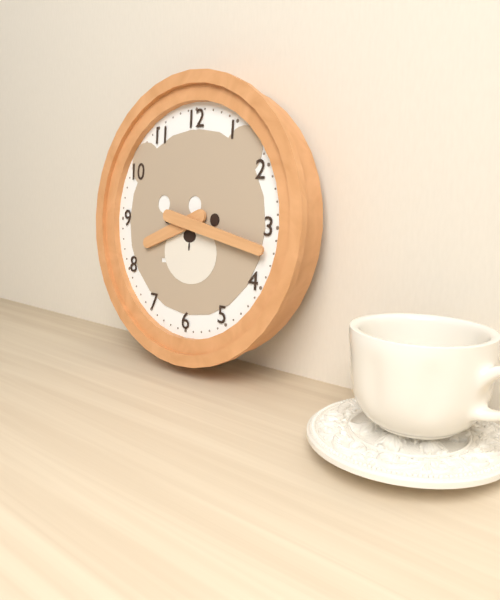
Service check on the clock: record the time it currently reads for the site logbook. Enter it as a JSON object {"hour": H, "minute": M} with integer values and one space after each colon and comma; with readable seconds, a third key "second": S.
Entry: {"hour": 8, "minute": 17}
